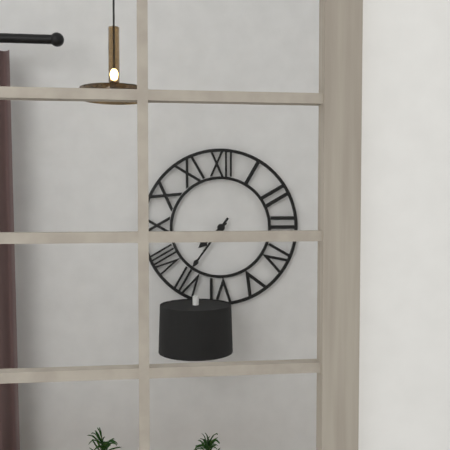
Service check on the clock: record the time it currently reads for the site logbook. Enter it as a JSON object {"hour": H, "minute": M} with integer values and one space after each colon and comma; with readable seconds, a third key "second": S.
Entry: {"hour": 7, "minute": 36}
